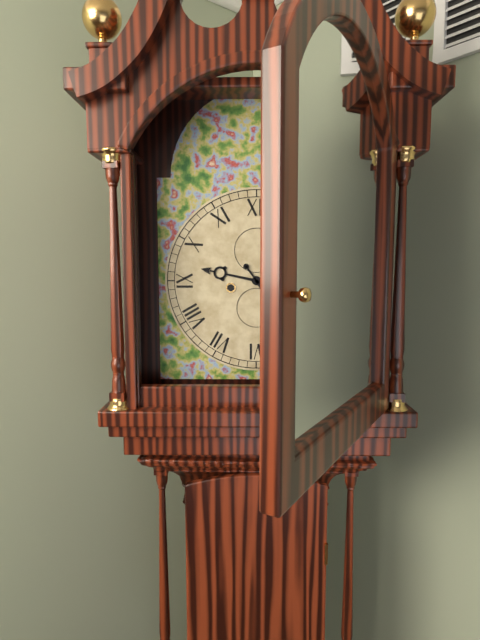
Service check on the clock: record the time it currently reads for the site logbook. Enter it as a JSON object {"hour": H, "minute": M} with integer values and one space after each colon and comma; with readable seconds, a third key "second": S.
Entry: {"hour": 9, "minute": 24}
